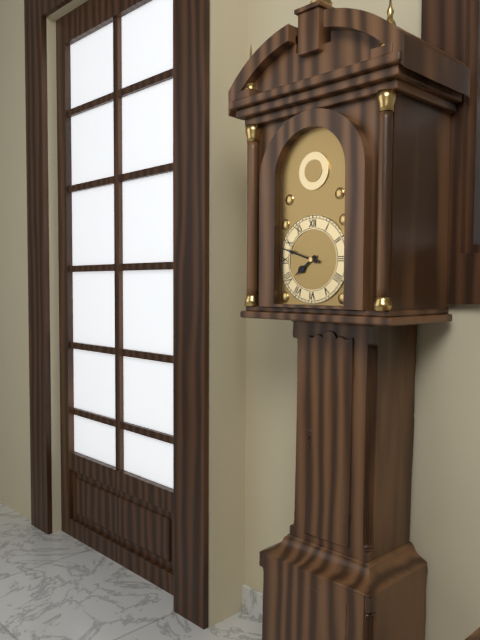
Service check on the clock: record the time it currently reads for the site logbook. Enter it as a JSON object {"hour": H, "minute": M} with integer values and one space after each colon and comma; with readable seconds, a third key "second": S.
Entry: {"hour": 7, "minute": 48}
